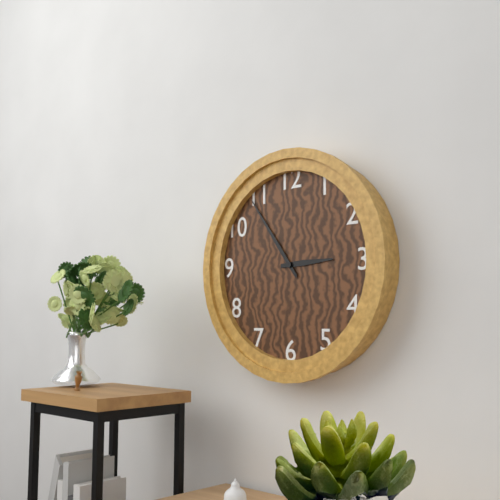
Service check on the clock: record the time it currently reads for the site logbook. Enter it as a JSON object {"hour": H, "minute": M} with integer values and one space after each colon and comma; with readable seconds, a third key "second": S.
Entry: {"hour": 2, "minute": 54}
